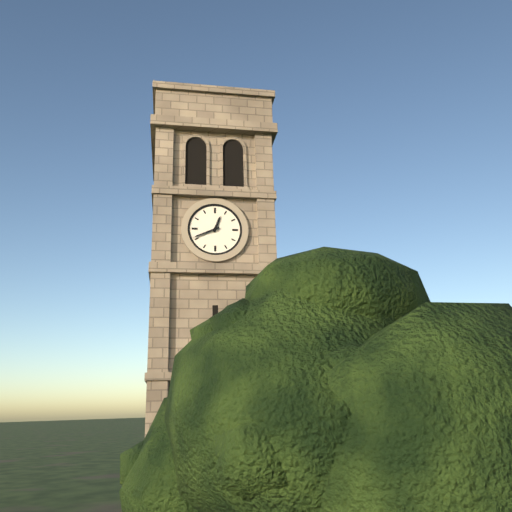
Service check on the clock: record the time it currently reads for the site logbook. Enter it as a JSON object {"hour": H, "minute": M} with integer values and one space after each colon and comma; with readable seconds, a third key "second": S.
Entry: {"hour": 12, "minute": 41}
